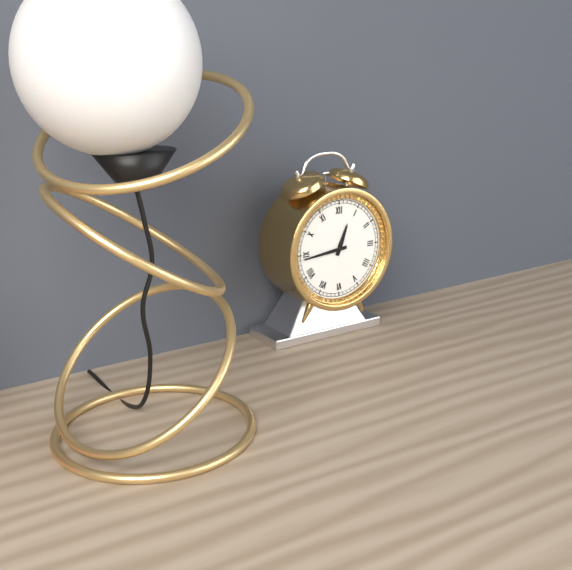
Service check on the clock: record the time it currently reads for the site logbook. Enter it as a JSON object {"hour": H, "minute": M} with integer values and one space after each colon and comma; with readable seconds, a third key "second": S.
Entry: {"hour": 12, "minute": 44}
